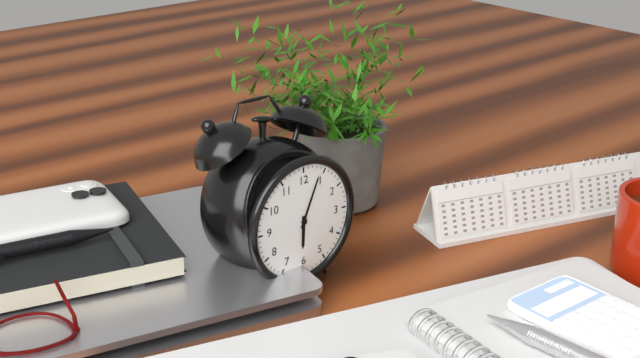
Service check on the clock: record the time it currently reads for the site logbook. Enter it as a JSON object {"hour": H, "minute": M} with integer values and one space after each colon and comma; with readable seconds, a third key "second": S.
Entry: {"hour": 6, "minute": 4}
